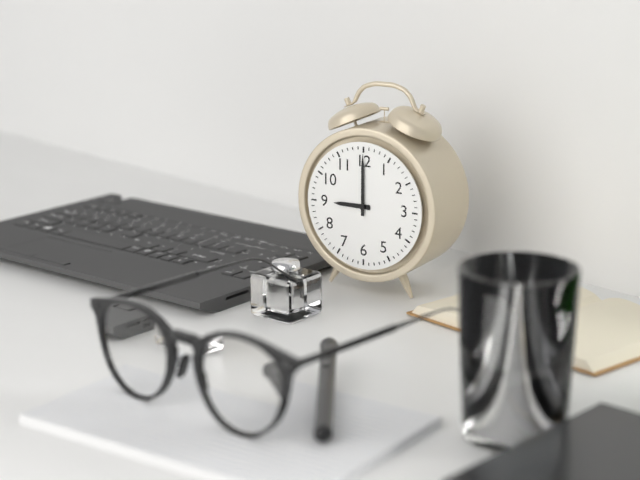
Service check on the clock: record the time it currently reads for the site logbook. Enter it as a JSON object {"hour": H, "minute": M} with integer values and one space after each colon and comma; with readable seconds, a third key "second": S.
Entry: {"hour": 9, "minute": 0}
